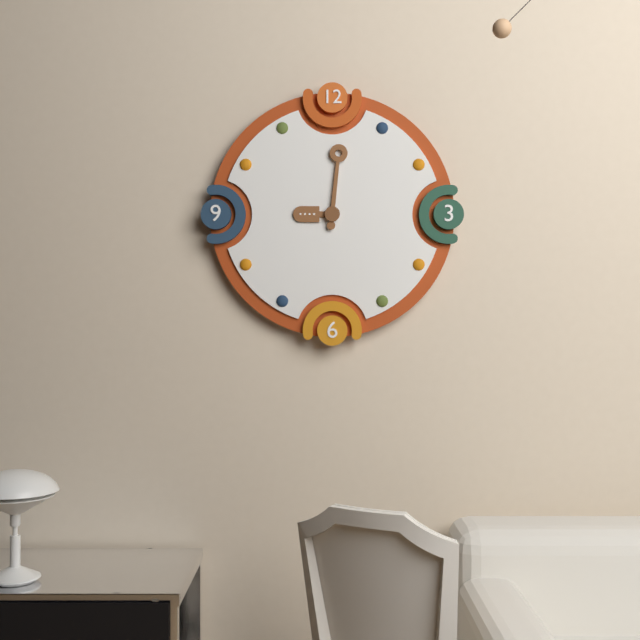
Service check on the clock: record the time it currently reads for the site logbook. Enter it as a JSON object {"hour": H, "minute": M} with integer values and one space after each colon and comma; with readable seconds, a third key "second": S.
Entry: {"hour": 9, "minute": 1}
